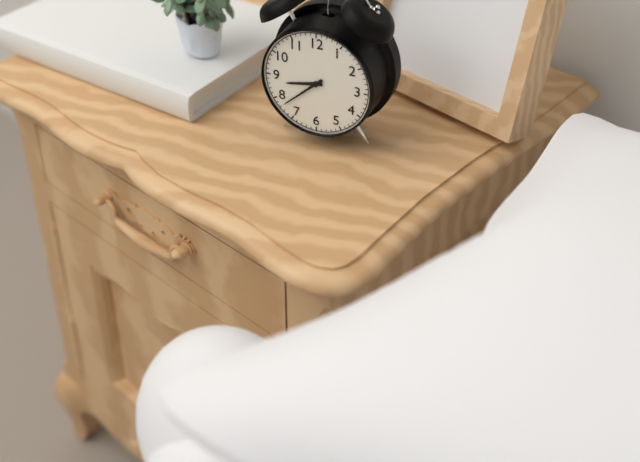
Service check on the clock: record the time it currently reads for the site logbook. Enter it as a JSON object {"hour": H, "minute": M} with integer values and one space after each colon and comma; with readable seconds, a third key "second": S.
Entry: {"hour": 8, "minute": 38}
